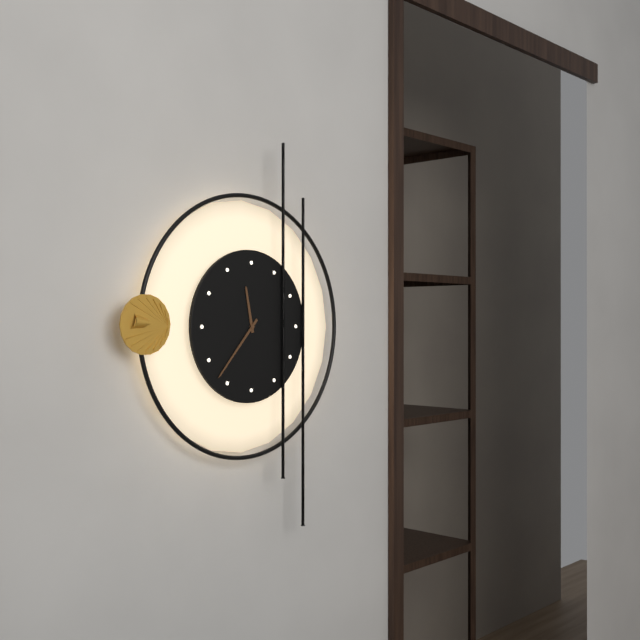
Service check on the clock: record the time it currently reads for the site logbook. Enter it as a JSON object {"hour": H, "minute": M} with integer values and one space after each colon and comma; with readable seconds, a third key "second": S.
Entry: {"hour": 11, "minute": 37}
